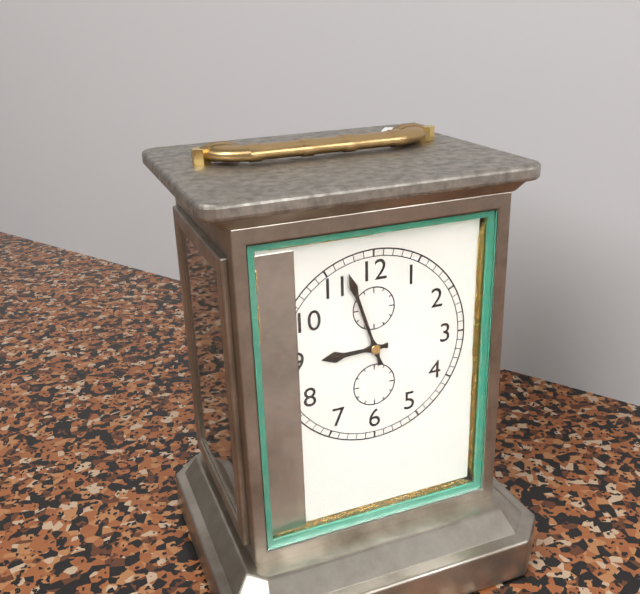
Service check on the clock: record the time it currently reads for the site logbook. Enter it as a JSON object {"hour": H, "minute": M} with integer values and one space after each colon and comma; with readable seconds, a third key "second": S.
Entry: {"hour": 8, "minute": 57}
